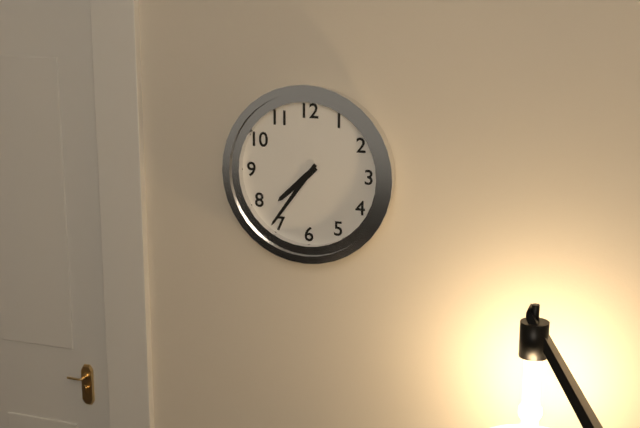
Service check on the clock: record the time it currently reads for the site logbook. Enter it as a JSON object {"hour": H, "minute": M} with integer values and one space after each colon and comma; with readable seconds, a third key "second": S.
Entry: {"hour": 7, "minute": 36}
